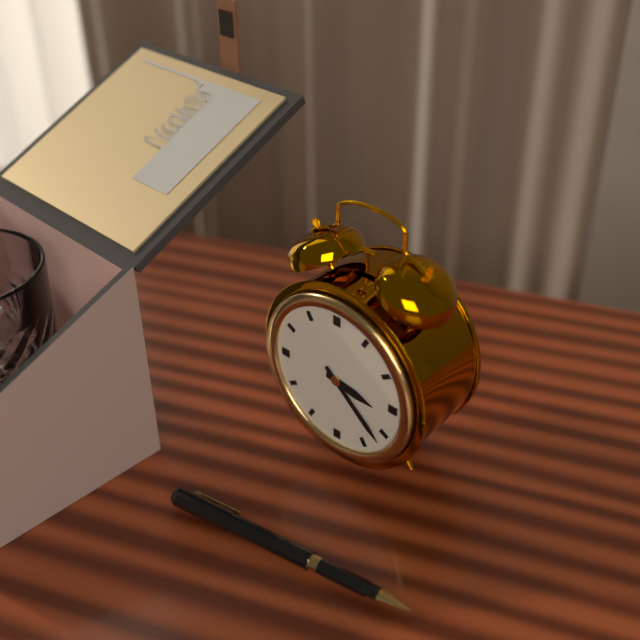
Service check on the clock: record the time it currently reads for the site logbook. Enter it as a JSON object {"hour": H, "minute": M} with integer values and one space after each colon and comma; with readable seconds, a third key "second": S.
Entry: {"hour": 3, "minute": 22}
